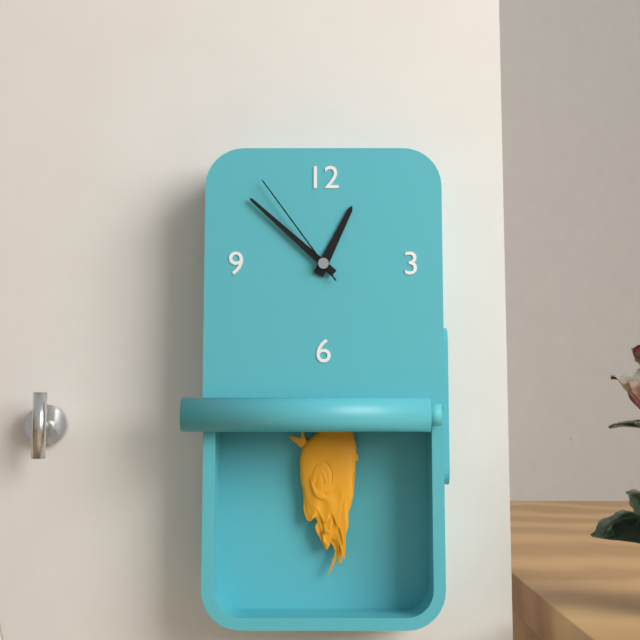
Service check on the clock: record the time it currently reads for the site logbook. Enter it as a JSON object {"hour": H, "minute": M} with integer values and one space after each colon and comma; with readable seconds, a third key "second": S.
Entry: {"hour": 12, "minute": 52, "second": 54}
